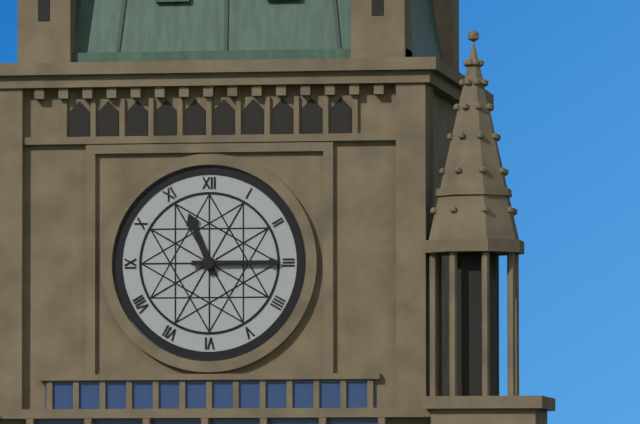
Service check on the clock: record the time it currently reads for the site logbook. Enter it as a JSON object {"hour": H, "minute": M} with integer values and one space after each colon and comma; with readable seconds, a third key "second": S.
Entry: {"hour": 11, "minute": 15}
